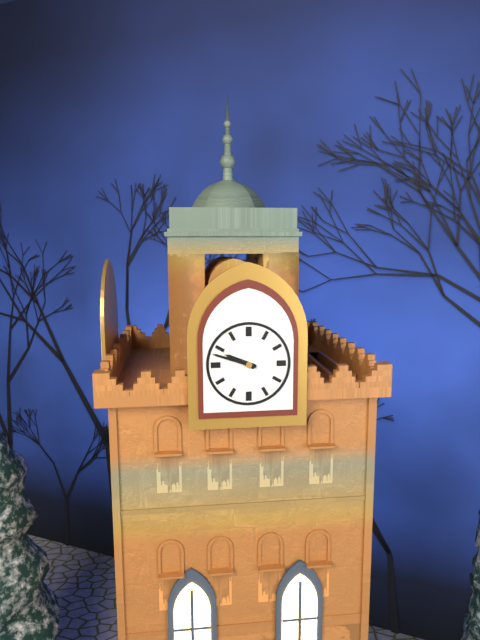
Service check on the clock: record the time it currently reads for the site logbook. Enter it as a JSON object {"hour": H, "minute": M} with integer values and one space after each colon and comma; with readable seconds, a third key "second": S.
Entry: {"hour": 9, "minute": 48}
